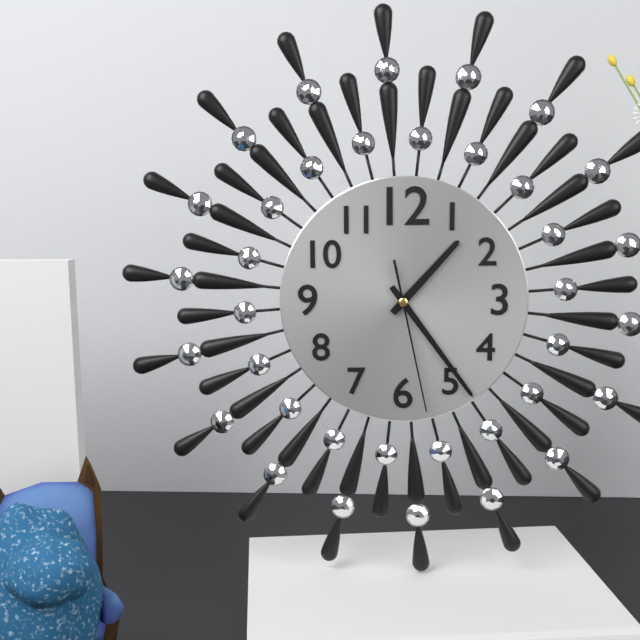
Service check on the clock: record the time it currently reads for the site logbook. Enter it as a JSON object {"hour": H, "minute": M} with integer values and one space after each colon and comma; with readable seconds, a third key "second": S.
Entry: {"hour": 1, "minute": 24, "second": 28}
